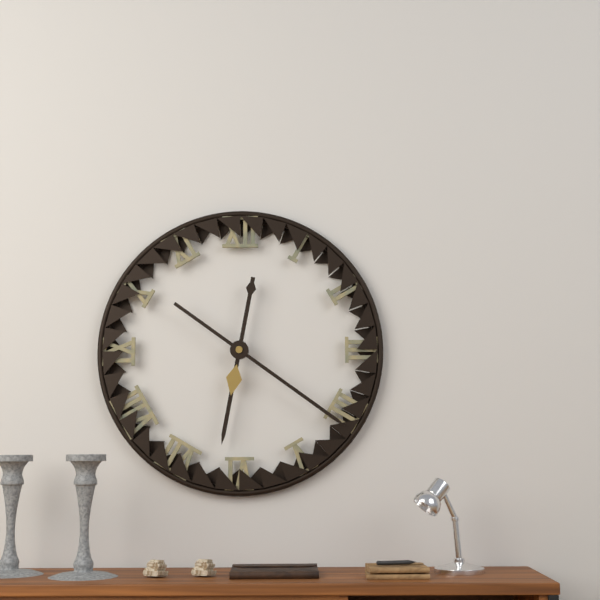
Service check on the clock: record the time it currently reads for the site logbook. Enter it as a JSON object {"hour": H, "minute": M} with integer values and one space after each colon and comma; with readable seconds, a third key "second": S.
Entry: {"hour": 6, "minute": 21}
